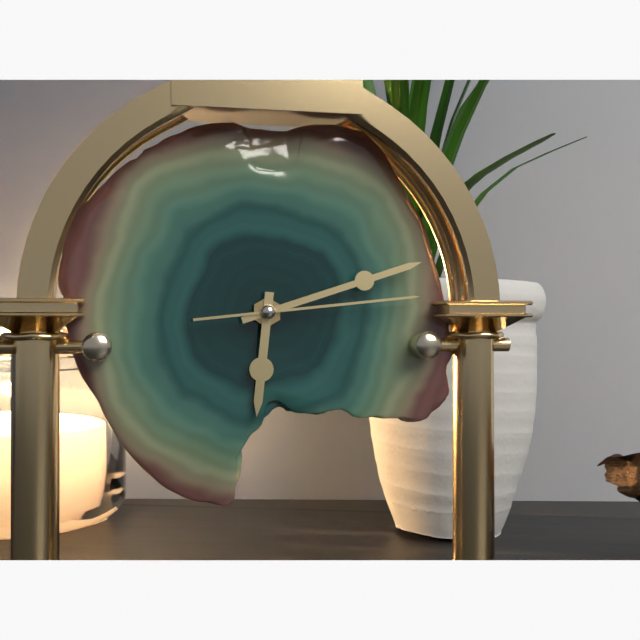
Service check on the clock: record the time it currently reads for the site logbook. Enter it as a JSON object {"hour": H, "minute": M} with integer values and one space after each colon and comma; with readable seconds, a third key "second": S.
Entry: {"hour": 6, "minute": 12, "second": 14}
